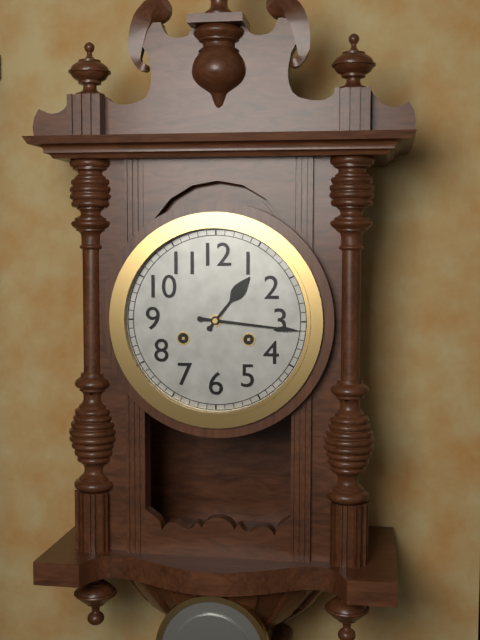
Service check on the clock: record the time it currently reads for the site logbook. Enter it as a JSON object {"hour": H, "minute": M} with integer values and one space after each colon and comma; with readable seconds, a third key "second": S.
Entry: {"hour": 1, "minute": 16}
